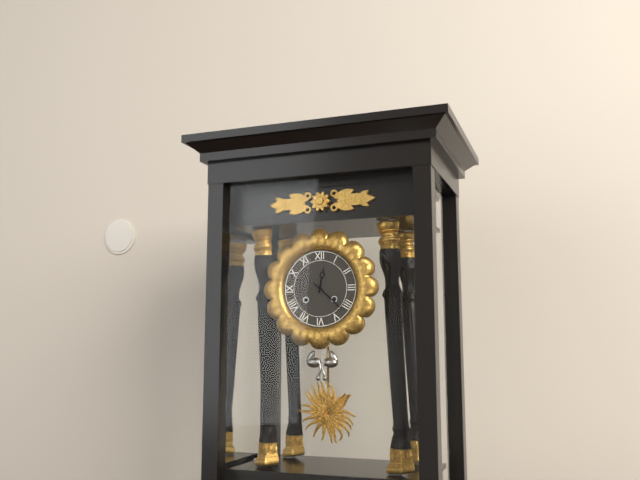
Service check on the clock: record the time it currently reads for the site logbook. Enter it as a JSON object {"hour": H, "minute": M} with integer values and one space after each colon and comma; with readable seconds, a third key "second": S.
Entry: {"hour": 12, "minute": 22}
